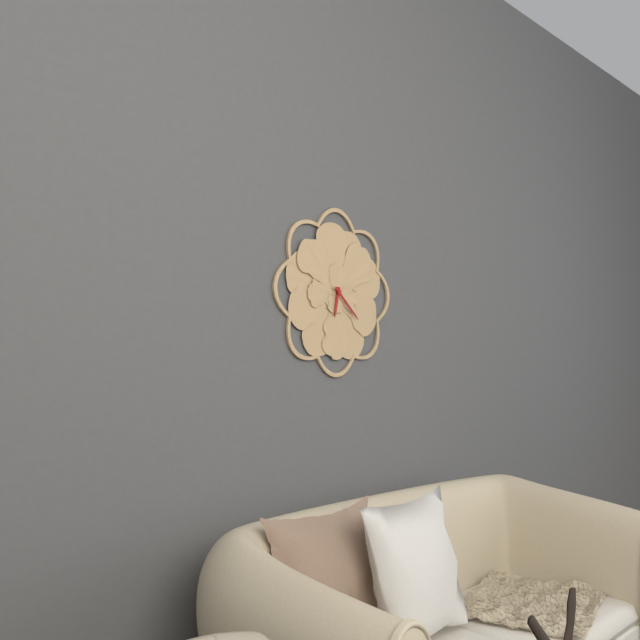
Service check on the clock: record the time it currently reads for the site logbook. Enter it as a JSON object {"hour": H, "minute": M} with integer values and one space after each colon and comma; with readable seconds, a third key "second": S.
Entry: {"hour": 6, "minute": 22}
